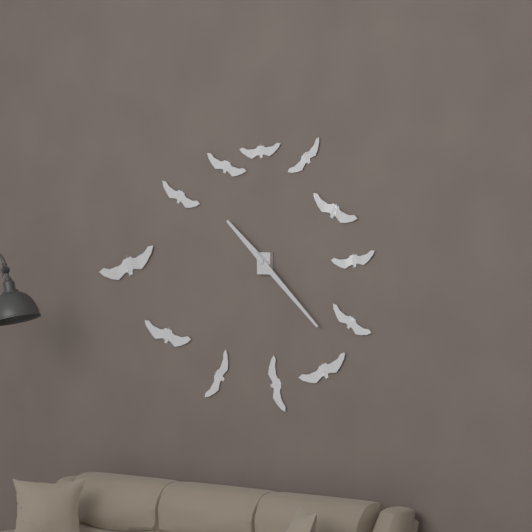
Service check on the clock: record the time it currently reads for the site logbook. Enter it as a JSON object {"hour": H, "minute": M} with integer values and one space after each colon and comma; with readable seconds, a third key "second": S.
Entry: {"hour": 10, "minute": 22}
